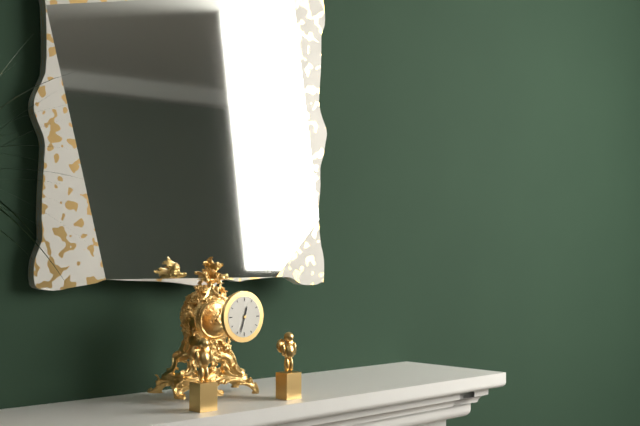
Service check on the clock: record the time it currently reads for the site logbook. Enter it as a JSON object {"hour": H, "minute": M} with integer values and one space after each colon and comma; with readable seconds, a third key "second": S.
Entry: {"hour": 12, "minute": 33}
